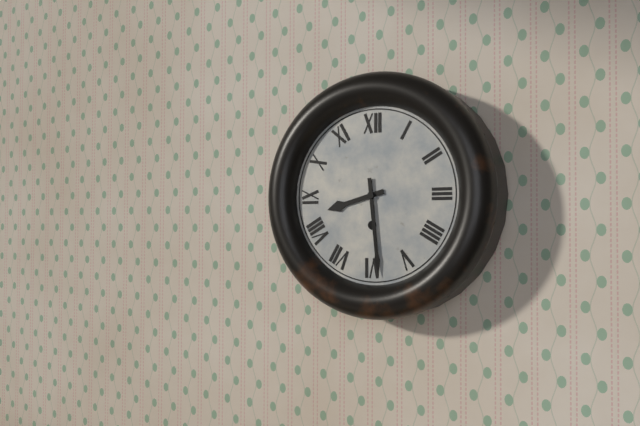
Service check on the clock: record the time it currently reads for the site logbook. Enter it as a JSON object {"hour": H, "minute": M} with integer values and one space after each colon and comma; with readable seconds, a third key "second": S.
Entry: {"hour": 8, "minute": 29}
